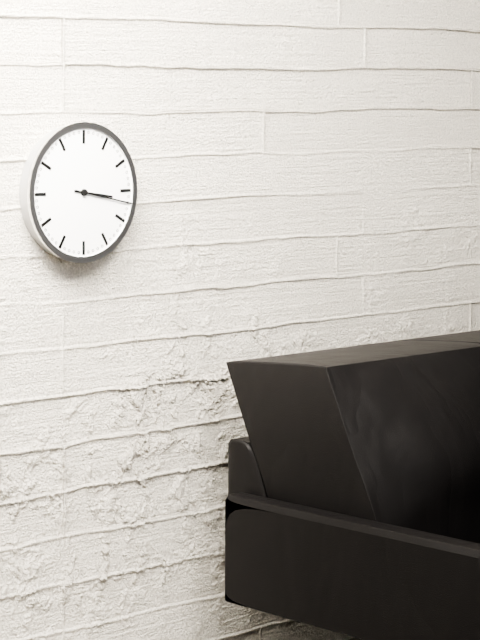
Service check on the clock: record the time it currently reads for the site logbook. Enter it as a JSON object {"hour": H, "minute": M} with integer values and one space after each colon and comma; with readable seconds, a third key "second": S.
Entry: {"hour": 3, "minute": 17}
